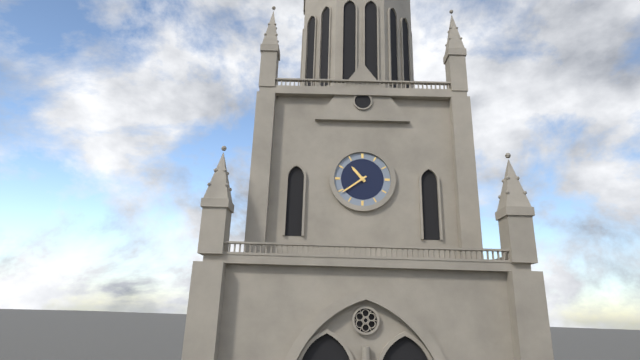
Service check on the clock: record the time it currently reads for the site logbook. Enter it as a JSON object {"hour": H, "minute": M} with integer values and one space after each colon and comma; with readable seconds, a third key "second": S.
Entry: {"hour": 10, "minute": 39}
